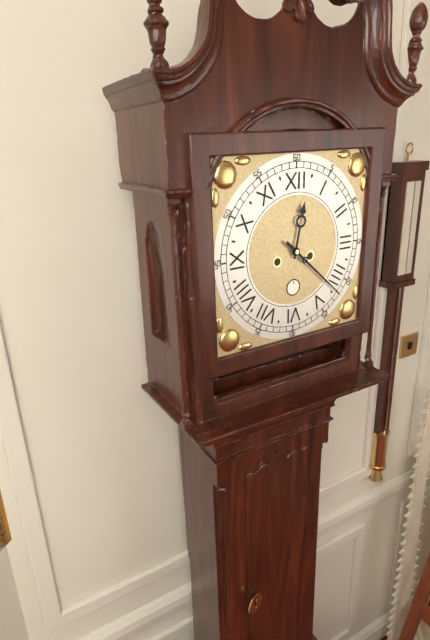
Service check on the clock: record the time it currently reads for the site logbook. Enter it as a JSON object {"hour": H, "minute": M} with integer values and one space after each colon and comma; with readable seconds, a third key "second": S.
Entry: {"hour": 12, "minute": 22}
